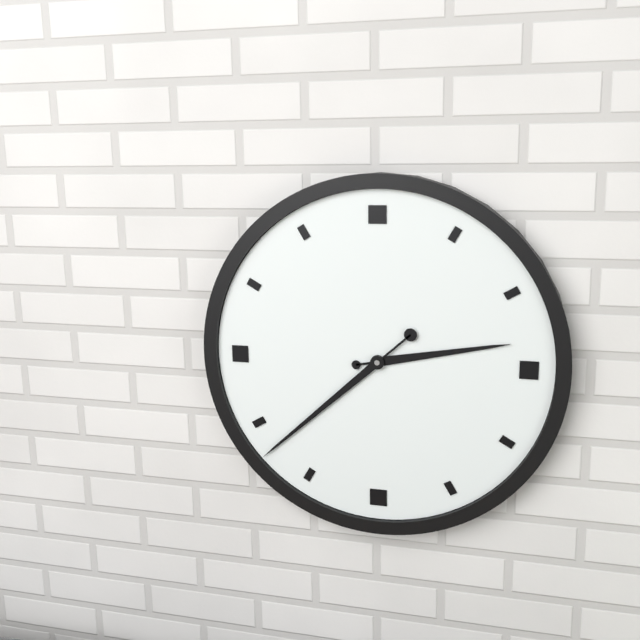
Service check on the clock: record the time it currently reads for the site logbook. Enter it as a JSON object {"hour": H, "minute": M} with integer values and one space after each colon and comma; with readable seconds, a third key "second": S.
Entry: {"hour": 2, "minute": 38}
